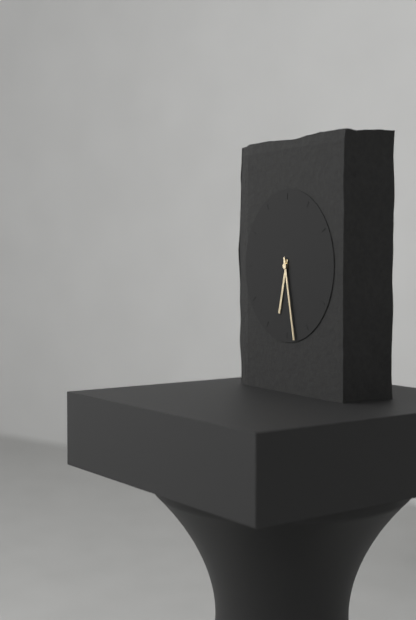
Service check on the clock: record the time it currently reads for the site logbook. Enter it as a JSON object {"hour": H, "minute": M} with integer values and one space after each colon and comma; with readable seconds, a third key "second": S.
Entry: {"hour": 6, "minute": 28}
